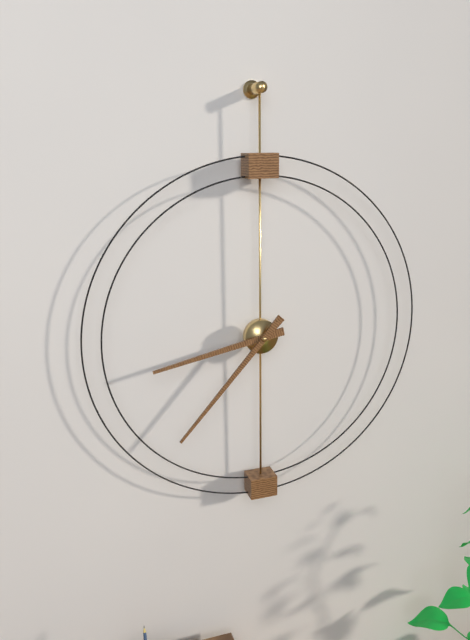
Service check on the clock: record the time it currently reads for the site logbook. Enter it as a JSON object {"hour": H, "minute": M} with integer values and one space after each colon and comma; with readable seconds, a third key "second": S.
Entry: {"hour": 8, "minute": 37}
